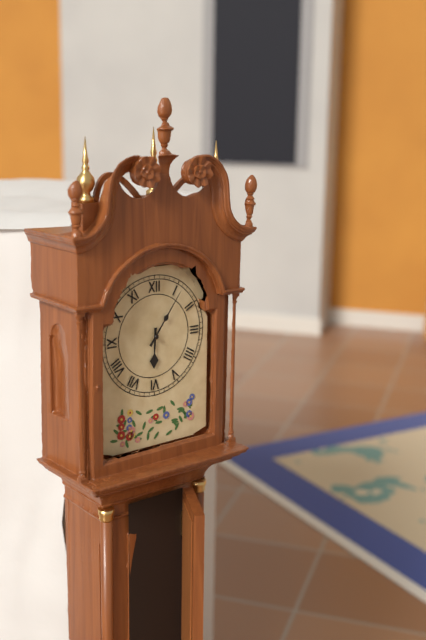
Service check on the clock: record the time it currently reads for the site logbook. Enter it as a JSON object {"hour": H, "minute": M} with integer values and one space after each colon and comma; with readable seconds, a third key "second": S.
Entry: {"hour": 6, "minute": 6}
